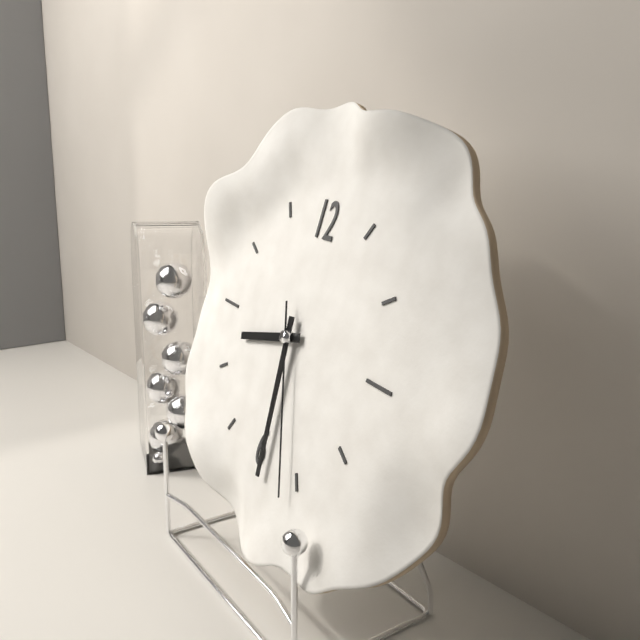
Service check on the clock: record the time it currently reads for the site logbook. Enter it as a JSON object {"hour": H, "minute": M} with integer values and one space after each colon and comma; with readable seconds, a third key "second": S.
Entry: {"hour": 8, "minute": 29, "second": 26}
